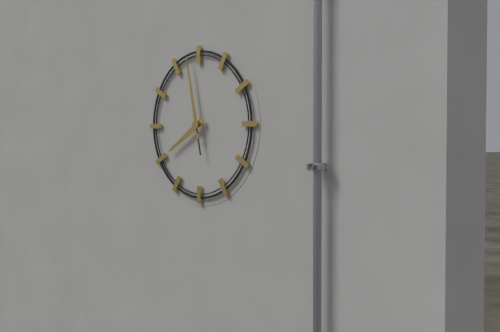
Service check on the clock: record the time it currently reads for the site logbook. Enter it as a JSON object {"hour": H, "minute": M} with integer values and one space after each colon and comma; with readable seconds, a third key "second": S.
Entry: {"hour": 7, "minute": 58}
